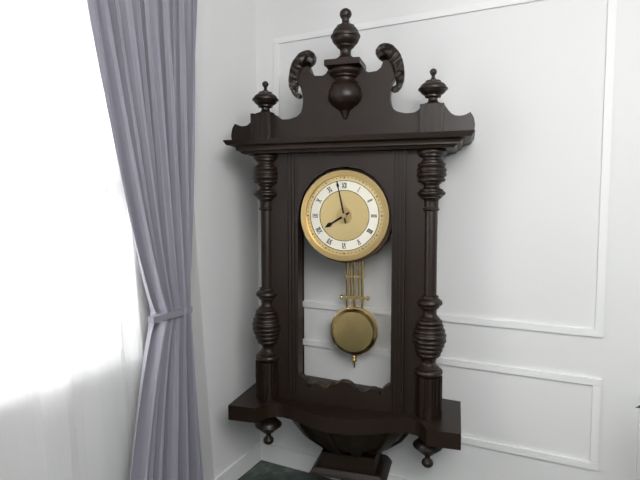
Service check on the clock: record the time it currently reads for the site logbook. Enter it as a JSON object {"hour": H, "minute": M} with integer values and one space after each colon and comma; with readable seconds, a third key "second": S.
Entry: {"hour": 7, "minute": 58}
